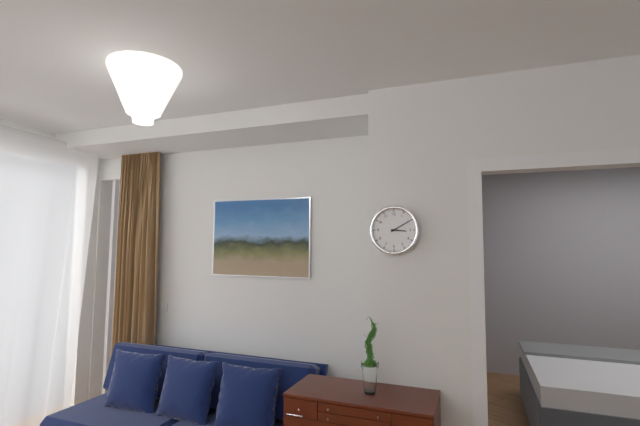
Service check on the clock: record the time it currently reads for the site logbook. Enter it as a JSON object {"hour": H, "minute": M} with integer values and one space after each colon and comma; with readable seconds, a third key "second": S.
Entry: {"hour": 3, "minute": 10}
